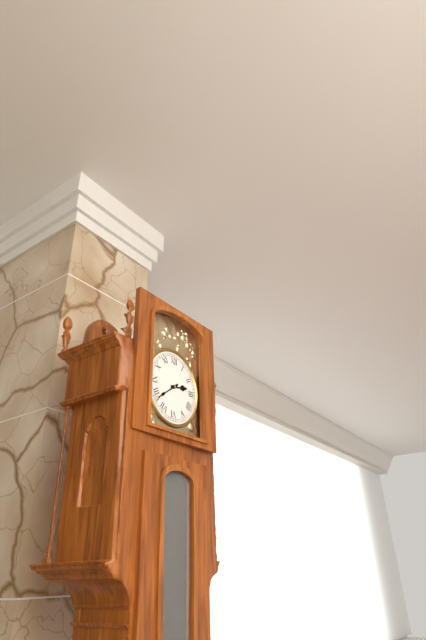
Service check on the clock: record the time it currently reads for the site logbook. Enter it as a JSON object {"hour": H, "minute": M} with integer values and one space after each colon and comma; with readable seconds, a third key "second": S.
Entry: {"hour": 2, "minute": 39}
